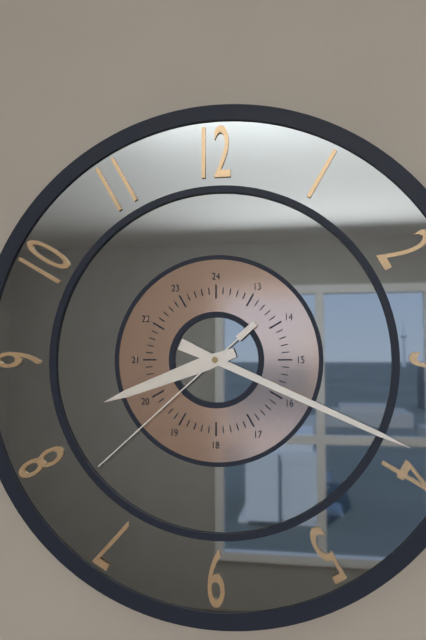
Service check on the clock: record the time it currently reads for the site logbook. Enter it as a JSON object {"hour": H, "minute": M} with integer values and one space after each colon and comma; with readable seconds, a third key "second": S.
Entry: {"hour": 8, "minute": 19, "second": 38}
